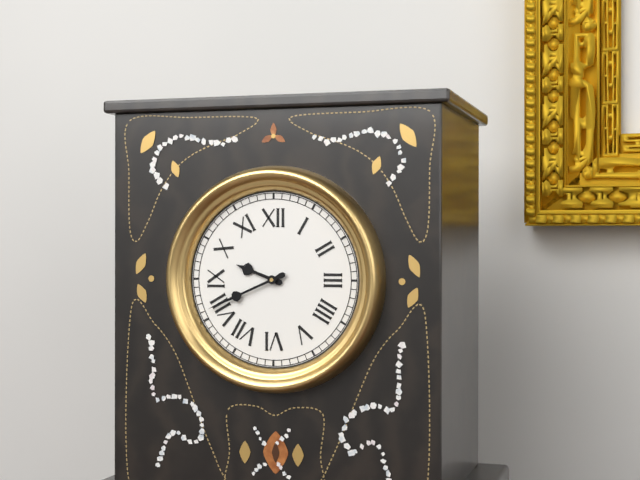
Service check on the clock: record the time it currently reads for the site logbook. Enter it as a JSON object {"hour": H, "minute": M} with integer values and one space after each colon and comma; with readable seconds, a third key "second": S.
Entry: {"hour": 9, "minute": 41}
